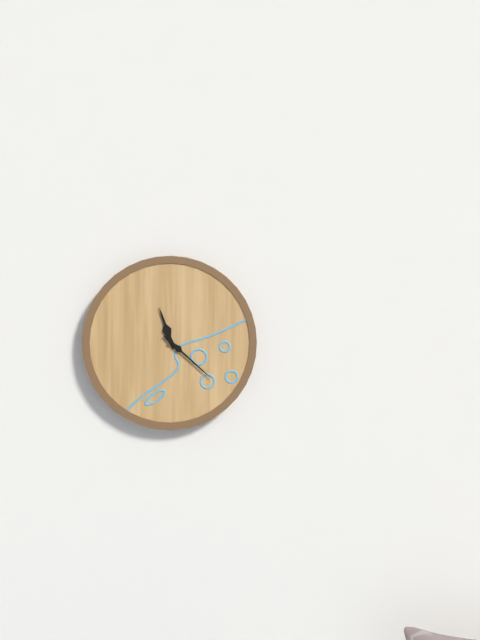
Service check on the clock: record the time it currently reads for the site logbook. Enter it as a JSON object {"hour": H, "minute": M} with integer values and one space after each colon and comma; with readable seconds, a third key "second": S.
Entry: {"hour": 11, "minute": 22}
